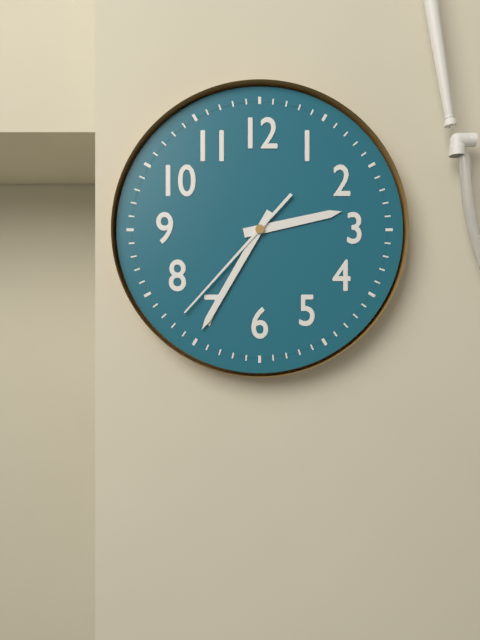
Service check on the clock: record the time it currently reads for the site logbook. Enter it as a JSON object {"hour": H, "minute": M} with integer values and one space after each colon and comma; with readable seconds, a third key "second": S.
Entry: {"hour": 2, "minute": 35, "second": 37}
